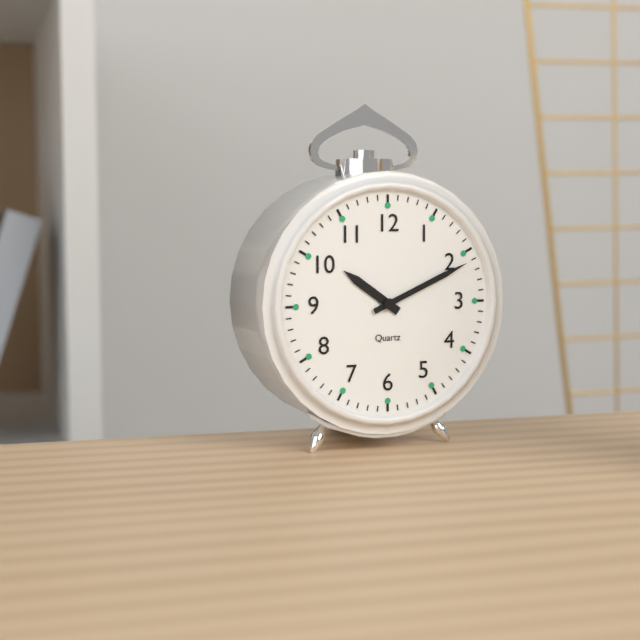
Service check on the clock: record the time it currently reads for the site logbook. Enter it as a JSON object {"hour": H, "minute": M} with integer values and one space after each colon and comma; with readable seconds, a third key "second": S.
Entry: {"hour": 10, "minute": 11}
